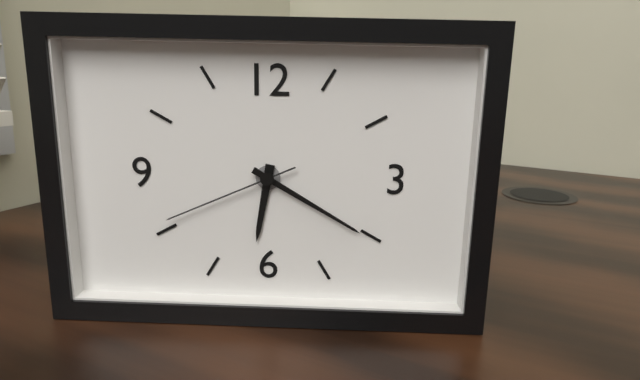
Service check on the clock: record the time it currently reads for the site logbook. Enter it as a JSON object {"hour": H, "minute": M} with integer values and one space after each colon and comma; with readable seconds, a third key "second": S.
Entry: {"hour": 6, "minute": 20, "second": 41}
